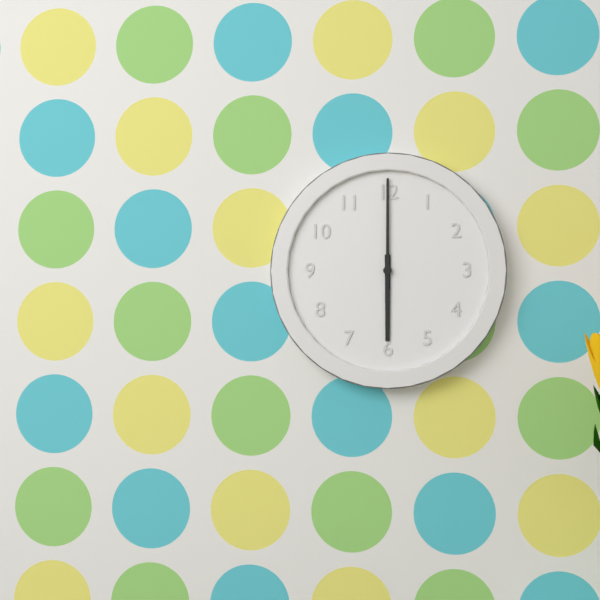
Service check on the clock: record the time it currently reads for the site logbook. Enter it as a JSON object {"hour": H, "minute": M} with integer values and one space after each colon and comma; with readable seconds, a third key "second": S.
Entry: {"hour": 6, "minute": 0}
